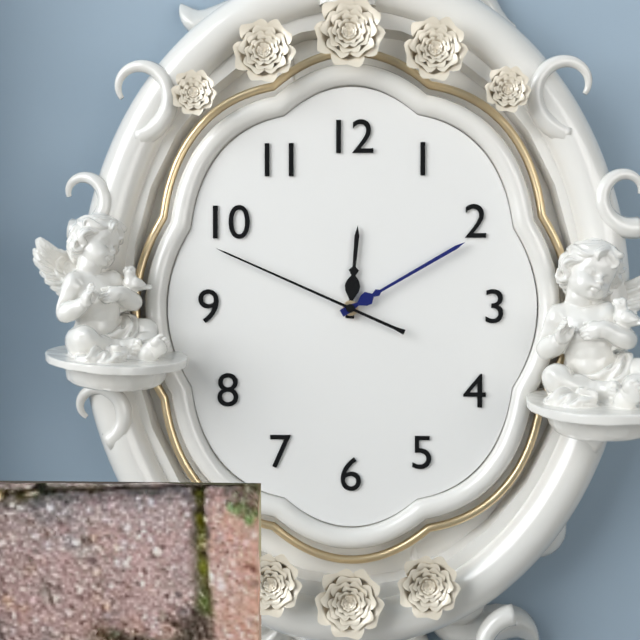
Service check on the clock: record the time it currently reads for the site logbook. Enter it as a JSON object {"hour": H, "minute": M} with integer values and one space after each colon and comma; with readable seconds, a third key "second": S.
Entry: {"hour": 12, "minute": 10, "second": 49}
